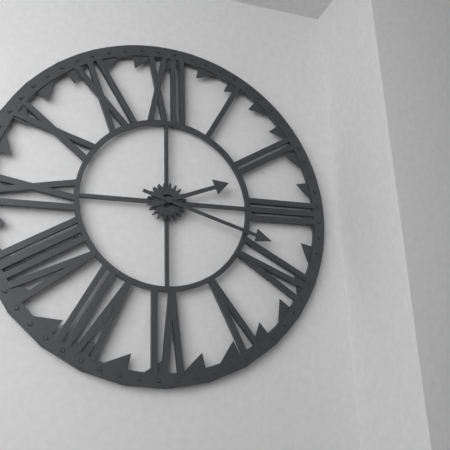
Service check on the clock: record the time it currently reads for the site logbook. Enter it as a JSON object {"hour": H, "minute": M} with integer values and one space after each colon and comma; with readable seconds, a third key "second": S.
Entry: {"hour": 2, "minute": 18}
